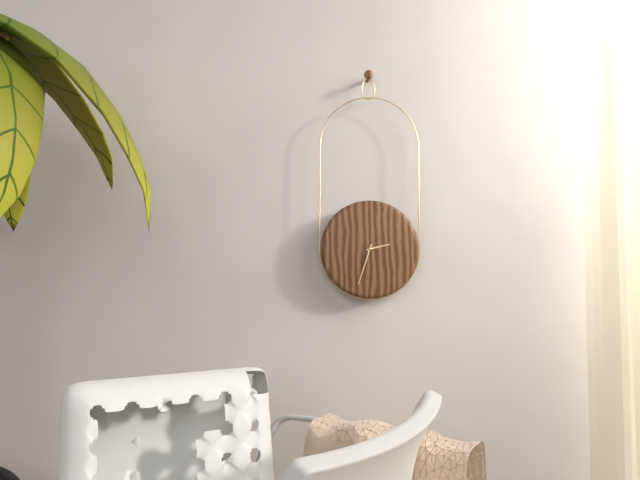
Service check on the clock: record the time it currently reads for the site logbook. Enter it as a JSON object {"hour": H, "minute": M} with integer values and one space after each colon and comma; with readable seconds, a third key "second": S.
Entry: {"hour": 2, "minute": 33}
